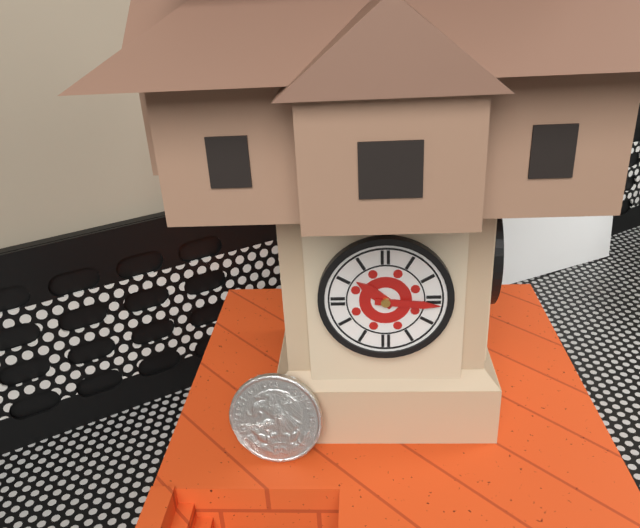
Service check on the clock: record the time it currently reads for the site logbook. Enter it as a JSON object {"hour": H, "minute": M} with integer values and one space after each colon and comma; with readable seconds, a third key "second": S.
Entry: {"hour": 10, "minute": 16}
